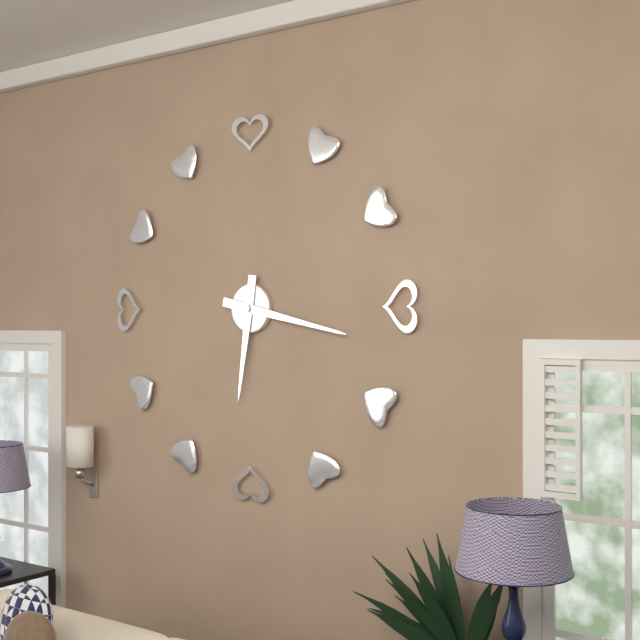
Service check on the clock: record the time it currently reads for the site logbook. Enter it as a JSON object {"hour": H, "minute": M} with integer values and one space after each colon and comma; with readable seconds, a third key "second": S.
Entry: {"hour": 6, "minute": 17}
